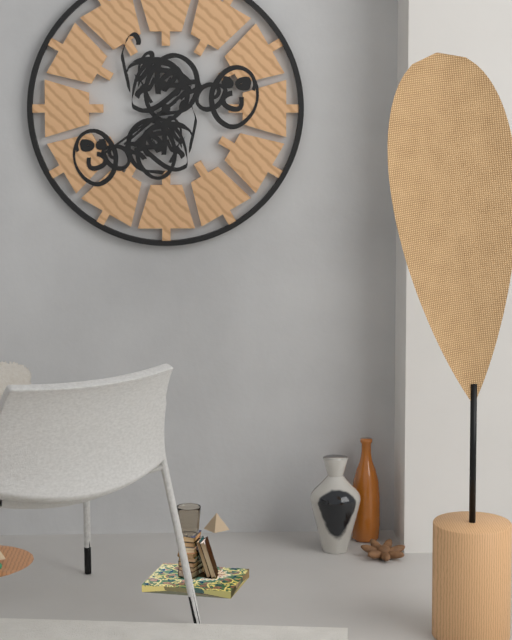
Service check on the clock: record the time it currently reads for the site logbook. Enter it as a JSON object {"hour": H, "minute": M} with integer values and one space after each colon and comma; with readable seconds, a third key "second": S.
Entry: {"hour": 7, "minute": 39}
